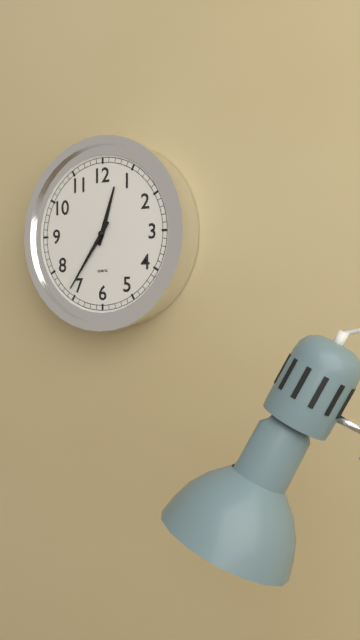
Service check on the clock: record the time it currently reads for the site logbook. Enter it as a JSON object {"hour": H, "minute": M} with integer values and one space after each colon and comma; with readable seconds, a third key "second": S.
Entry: {"hour": 12, "minute": 36}
